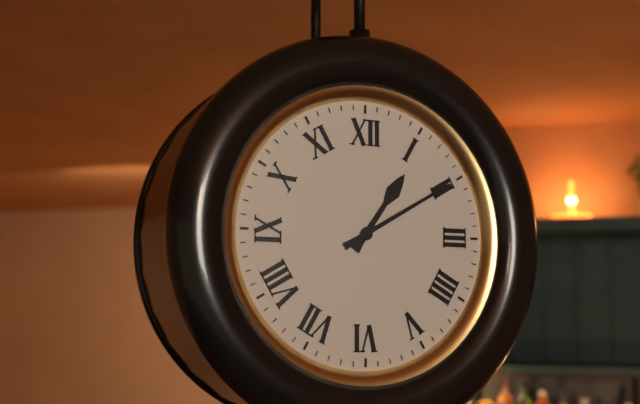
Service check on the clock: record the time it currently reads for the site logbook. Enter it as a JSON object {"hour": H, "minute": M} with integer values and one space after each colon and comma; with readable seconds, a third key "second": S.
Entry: {"hour": 1, "minute": 10}
